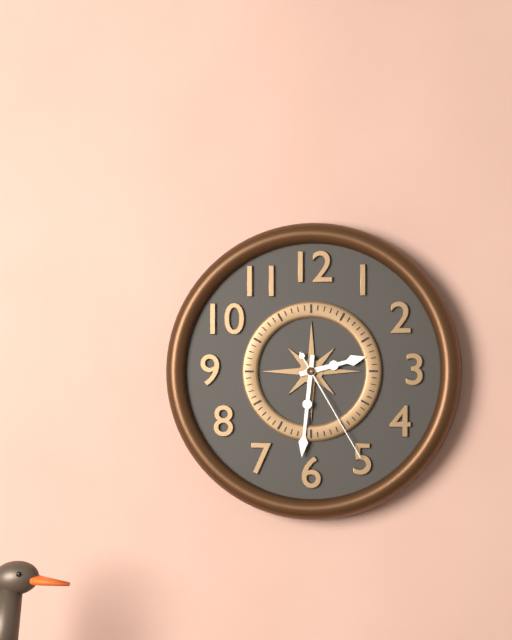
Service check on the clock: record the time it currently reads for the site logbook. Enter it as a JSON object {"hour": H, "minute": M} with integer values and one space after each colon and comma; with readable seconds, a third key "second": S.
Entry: {"hour": 2, "minute": 31, "second": 25}
